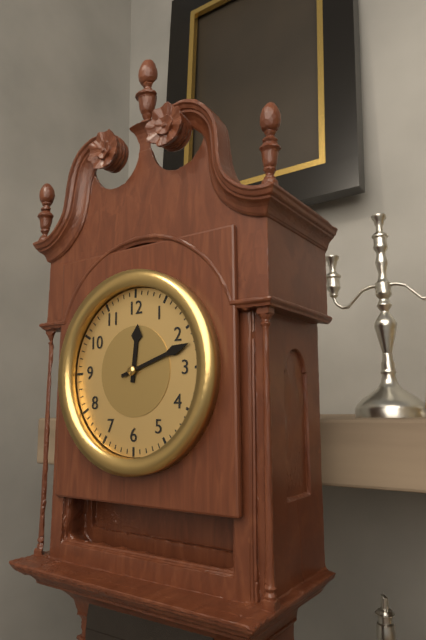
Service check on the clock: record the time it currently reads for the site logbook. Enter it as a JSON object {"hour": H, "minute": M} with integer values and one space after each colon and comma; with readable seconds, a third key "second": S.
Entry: {"hour": 12, "minute": 12}
